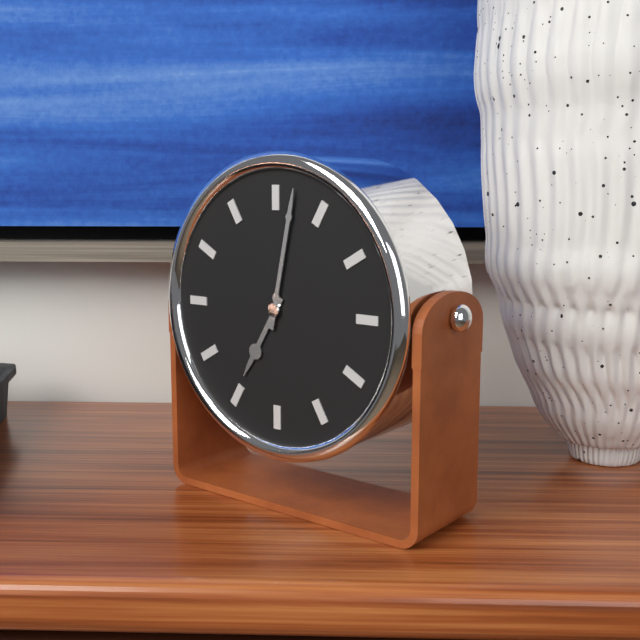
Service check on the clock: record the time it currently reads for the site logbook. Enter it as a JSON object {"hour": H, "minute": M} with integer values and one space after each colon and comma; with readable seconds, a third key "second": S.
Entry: {"hour": 7, "minute": 2}
